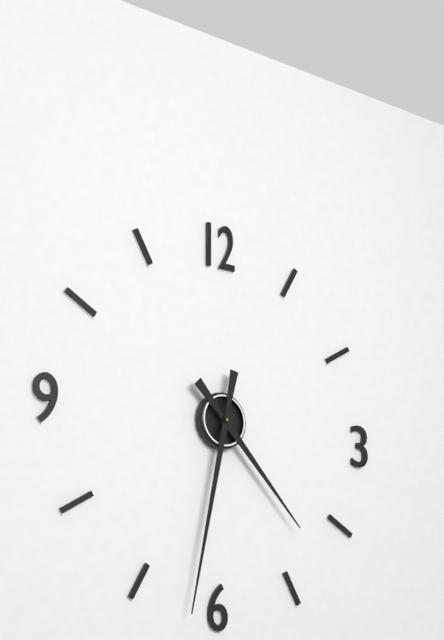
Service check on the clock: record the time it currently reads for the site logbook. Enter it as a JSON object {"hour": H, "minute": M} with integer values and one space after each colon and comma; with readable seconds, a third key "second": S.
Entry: {"hour": 4, "minute": 32}
